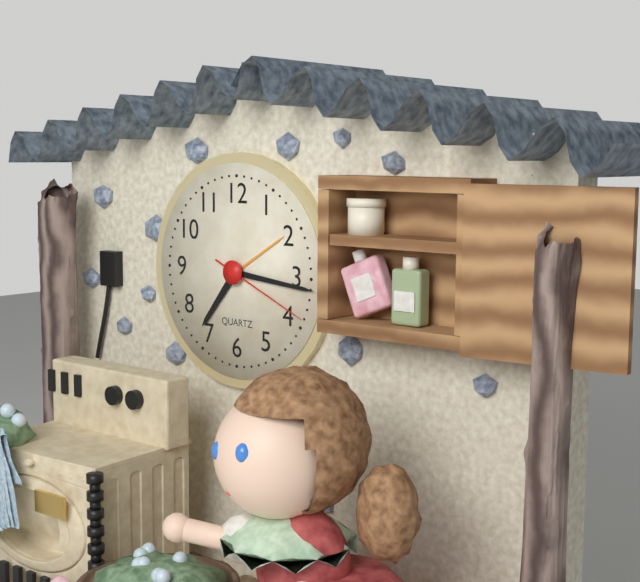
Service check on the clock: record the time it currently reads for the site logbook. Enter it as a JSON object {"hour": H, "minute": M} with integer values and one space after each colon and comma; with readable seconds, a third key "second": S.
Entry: {"hour": 7, "minute": 16, "second": 19}
